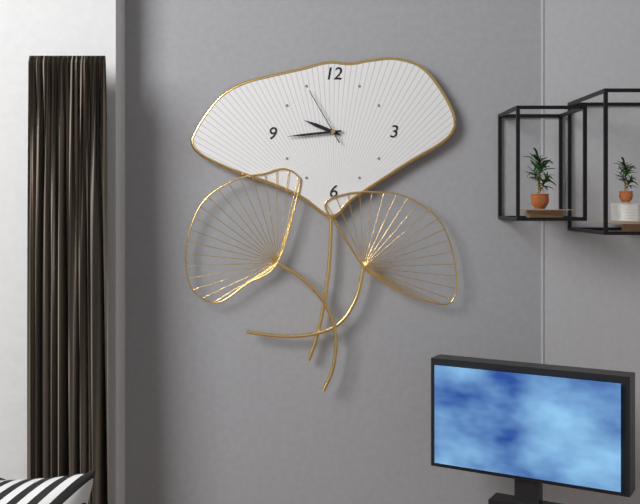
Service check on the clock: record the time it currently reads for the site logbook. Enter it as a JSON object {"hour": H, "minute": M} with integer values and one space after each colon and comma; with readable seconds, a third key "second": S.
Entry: {"hour": 9, "minute": 44, "second": 55}
